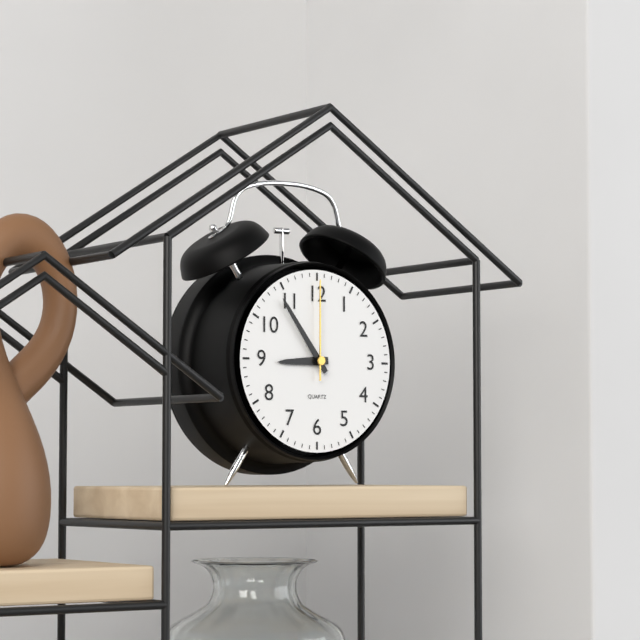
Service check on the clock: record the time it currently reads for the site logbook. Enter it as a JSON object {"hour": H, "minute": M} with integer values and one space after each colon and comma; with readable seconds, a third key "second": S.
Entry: {"hour": 8, "minute": 54, "second": 0}
